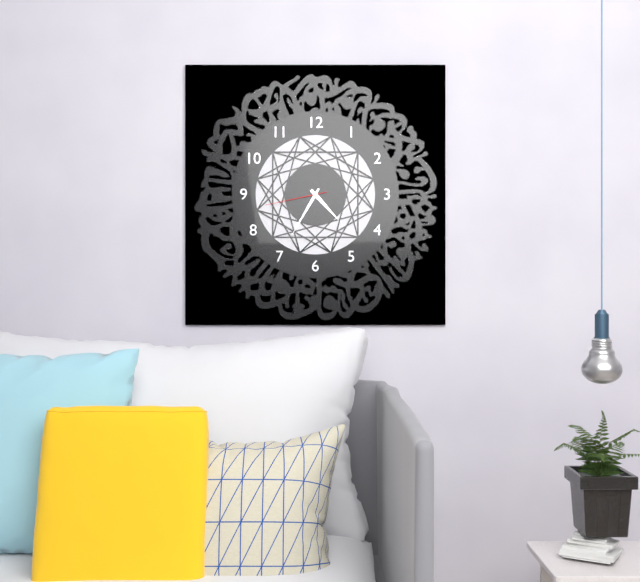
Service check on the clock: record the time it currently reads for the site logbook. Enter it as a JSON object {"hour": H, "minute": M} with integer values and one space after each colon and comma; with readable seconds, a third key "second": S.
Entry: {"hour": 4, "minute": 35, "second": 43}
